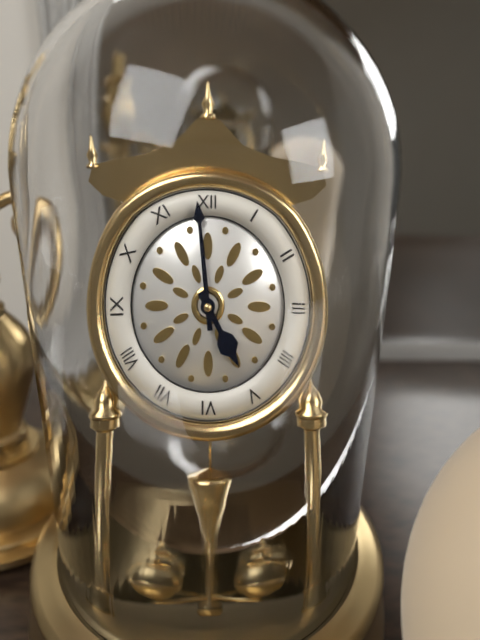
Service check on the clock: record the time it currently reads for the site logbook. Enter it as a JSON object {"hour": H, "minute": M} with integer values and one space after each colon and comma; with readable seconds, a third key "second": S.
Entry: {"hour": 4, "minute": 59}
